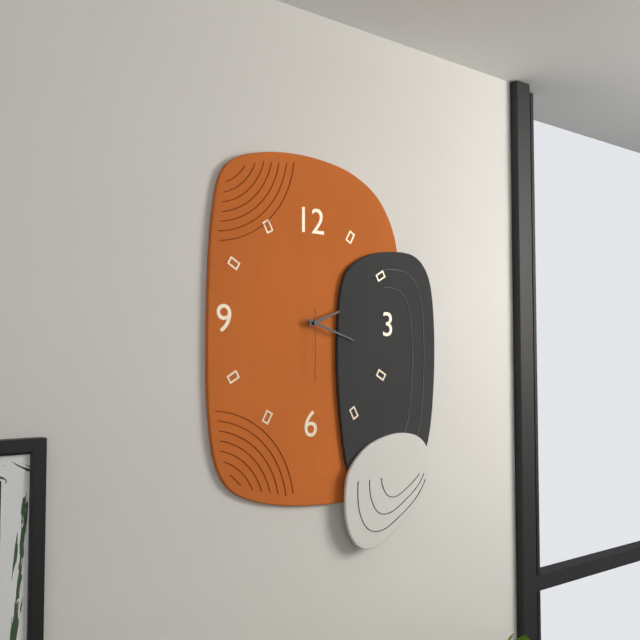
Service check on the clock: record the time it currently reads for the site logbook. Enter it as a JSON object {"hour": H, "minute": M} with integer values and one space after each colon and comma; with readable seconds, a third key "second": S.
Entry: {"hour": 2, "minute": 18, "second": 30}
